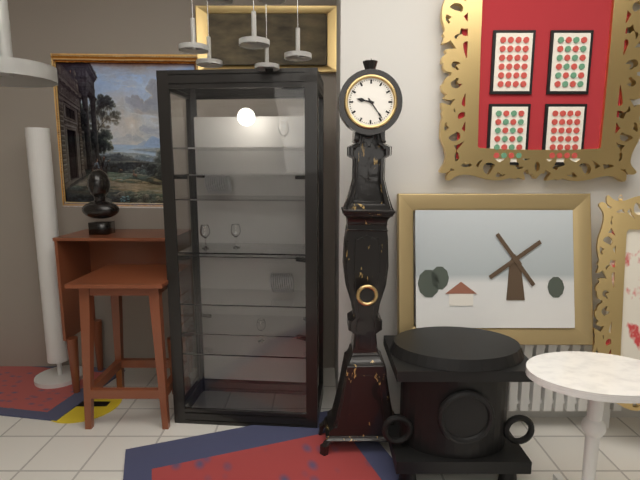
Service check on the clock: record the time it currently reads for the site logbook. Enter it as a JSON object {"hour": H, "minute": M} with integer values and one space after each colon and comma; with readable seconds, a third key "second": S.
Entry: {"hour": 9, "minute": 24}
